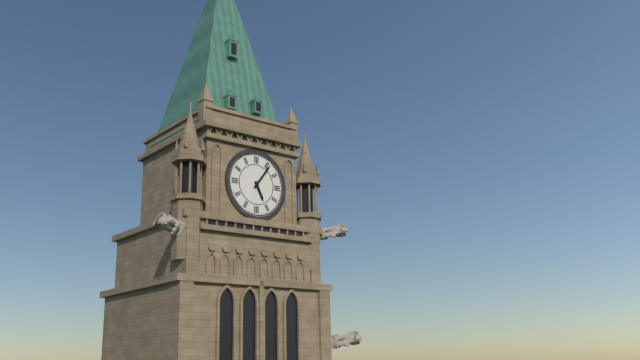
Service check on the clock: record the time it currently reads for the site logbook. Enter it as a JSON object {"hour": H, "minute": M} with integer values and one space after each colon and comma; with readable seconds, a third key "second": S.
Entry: {"hour": 5, "minute": 6}
